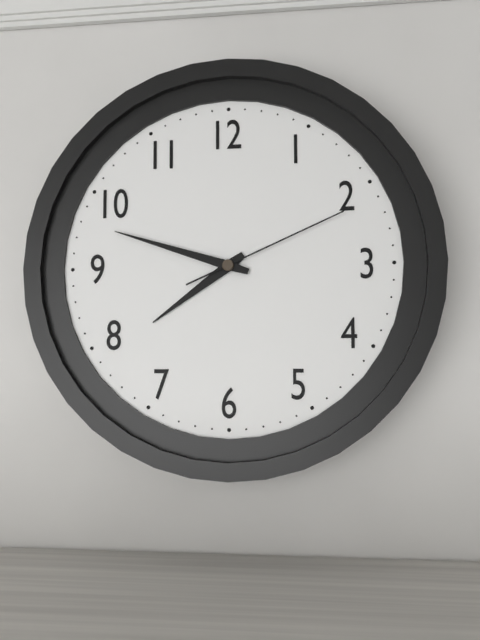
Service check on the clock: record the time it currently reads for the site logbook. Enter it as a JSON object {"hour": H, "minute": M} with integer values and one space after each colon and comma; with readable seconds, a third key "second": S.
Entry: {"hour": 7, "minute": 48, "second": 11}
